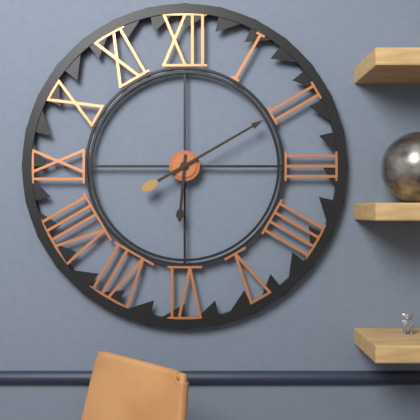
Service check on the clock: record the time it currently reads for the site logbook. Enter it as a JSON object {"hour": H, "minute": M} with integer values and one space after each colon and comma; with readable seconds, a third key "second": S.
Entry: {"hour": 6, "minute": 10}
